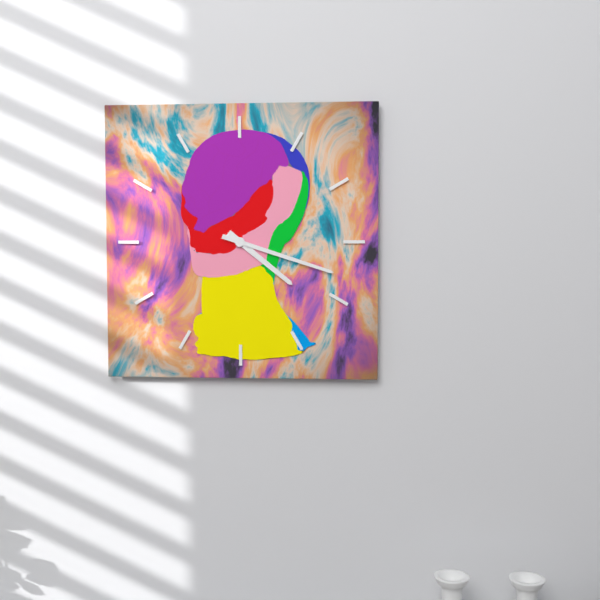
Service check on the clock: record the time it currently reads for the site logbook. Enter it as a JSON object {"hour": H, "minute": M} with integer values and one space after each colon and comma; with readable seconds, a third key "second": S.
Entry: {"hour": 4, "minute": 18}
